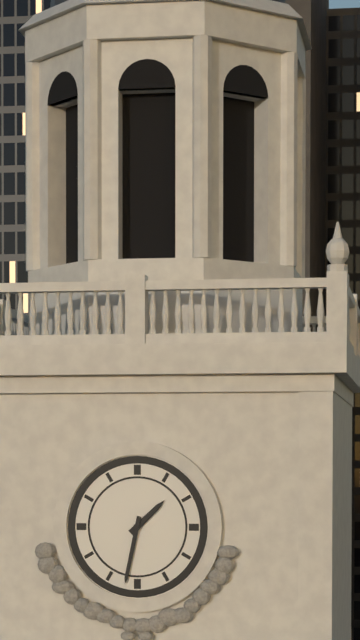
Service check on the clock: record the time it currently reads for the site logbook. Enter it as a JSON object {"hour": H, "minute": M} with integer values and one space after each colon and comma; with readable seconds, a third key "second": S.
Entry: {"hour": 1, "minute": 32}
